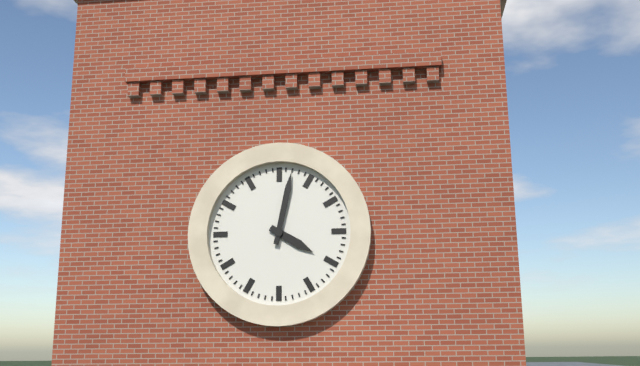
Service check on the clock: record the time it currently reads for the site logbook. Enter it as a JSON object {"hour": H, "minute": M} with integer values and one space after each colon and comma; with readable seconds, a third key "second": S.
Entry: {"hour": 4, "minute": 2}
